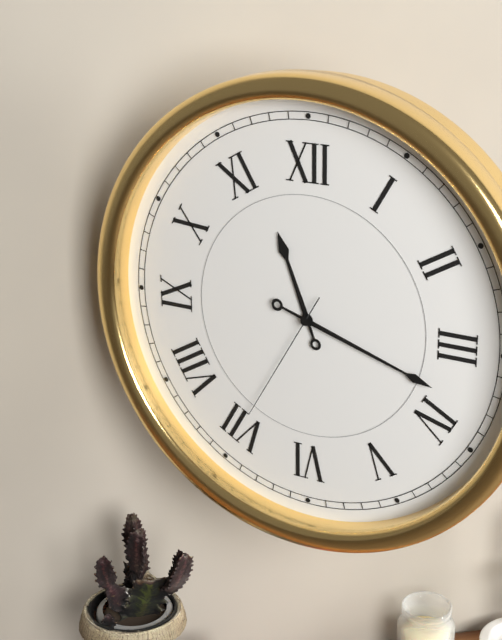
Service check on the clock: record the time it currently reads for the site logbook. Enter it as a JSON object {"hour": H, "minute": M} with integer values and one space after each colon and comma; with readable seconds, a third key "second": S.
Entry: {"hour": 11, "minute": 18, "second": 35}
